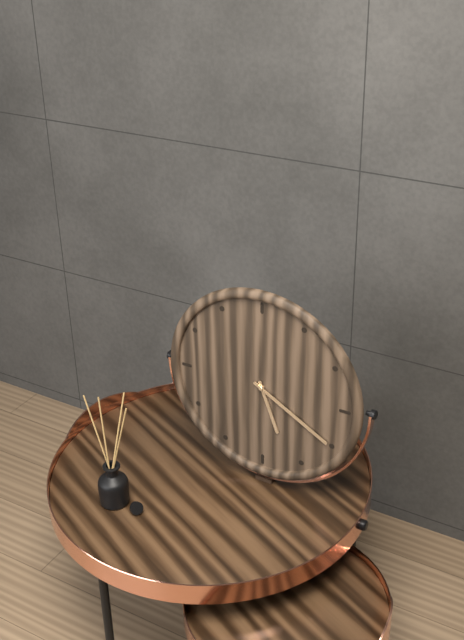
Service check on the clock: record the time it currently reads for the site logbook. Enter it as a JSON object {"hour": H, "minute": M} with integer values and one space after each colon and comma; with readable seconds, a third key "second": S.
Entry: {"hour": 5, "minute": 20}
